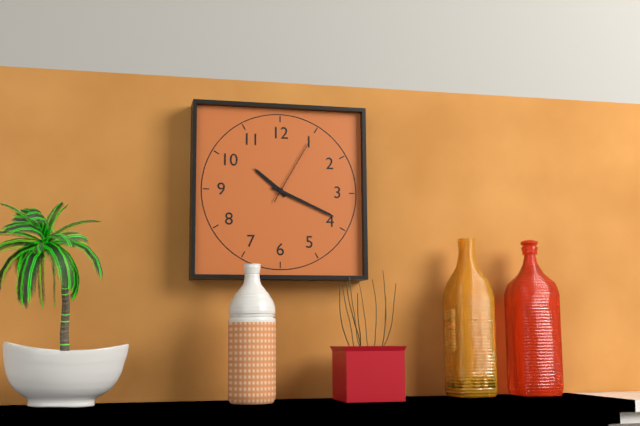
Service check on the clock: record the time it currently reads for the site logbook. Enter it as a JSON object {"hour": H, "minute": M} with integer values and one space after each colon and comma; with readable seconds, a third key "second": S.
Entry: {"hour": 10, "minute": 19, "second": 5}
